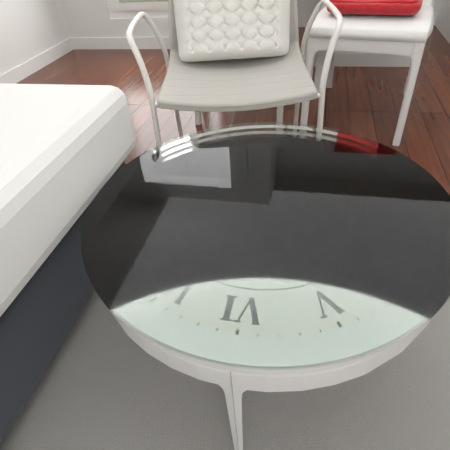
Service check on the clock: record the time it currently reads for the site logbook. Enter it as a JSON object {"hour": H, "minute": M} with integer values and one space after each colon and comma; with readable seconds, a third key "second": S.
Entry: {"hour": 4, "minute": 38}
